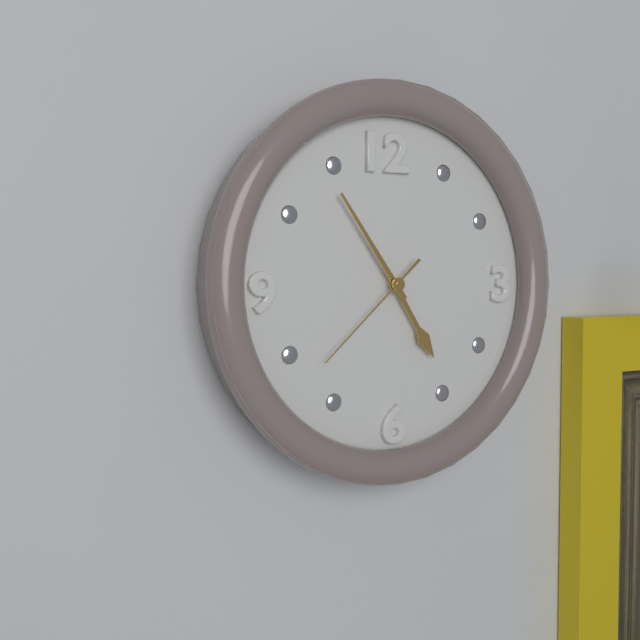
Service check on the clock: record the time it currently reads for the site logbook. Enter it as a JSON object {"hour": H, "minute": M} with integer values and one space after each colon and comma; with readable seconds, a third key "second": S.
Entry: {"hour": 4, "minute": 54, "second": 38}
